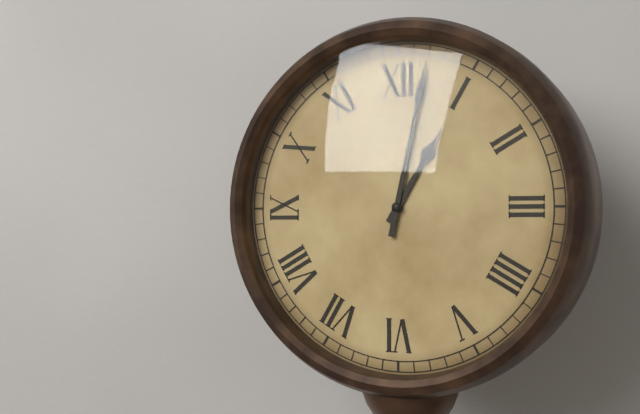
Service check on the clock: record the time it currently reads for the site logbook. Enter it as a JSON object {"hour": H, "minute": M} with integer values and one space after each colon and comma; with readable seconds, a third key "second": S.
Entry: {"hour": 1, "minute": 2}
